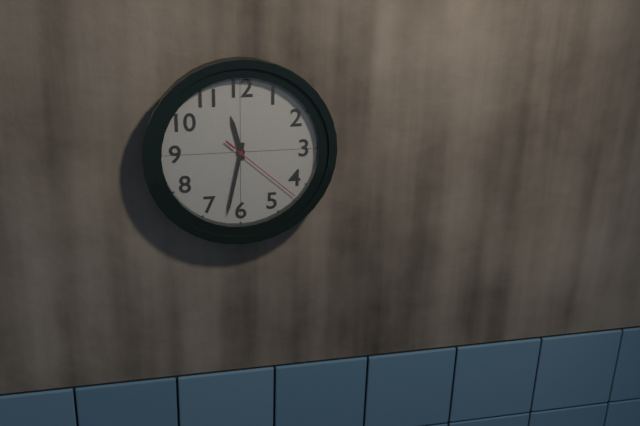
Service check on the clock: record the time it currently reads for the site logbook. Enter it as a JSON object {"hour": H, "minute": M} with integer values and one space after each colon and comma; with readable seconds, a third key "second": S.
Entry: {"hour": 11, "minute": 32, "second": 22}
